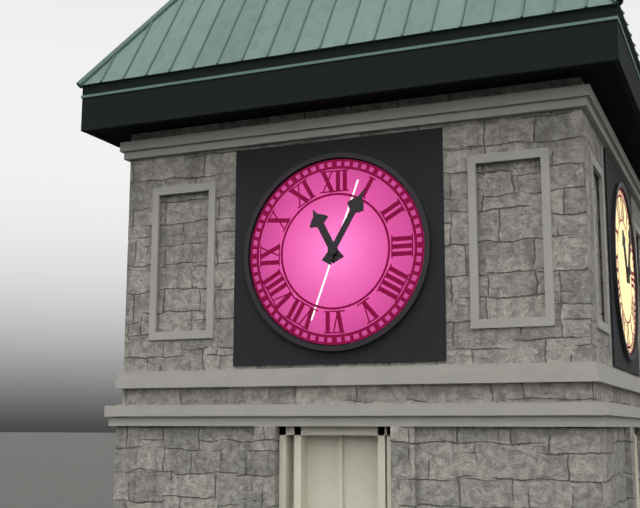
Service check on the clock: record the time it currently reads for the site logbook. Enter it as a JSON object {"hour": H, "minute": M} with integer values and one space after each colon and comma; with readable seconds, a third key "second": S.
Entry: {"hour": 11, "minute": 5}
